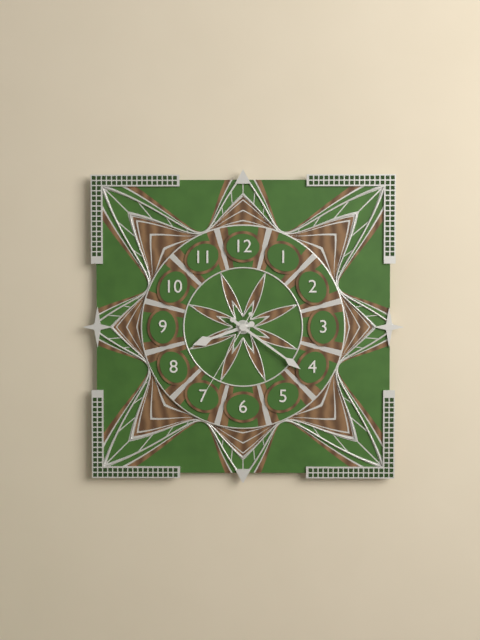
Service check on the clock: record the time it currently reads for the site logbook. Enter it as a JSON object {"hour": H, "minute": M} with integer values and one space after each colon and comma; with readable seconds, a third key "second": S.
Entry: {"hour": 8, "minute": 21, "second": 35}
